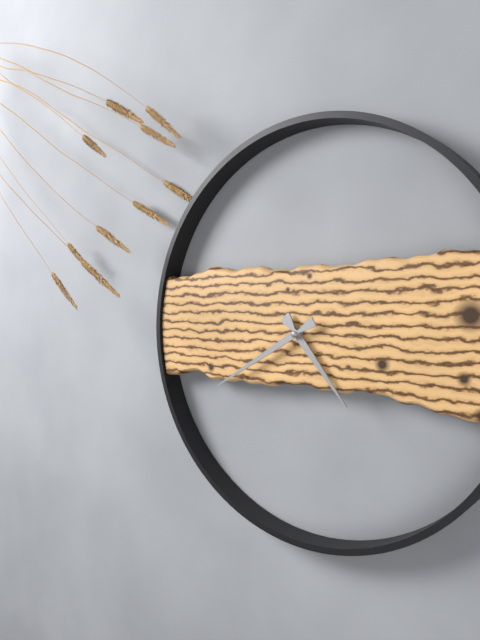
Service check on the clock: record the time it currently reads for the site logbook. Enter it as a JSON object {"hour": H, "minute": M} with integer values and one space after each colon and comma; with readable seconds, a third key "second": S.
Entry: {"hour": 4, "minute": 40}
